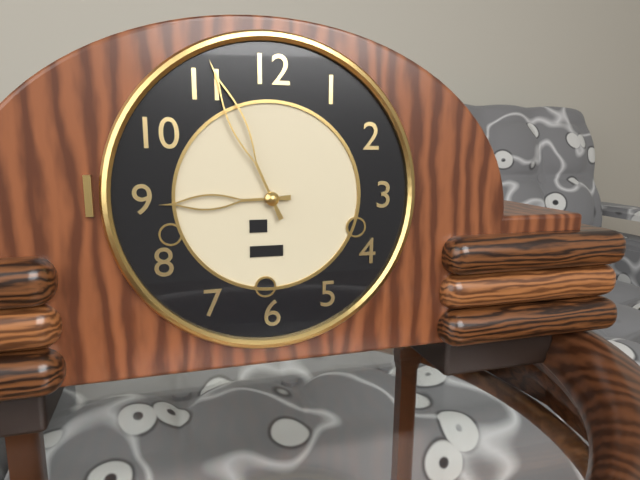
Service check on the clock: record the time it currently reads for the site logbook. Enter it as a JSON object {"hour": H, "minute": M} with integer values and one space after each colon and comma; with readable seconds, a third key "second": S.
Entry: {"hour": 8, "minute": 56}
